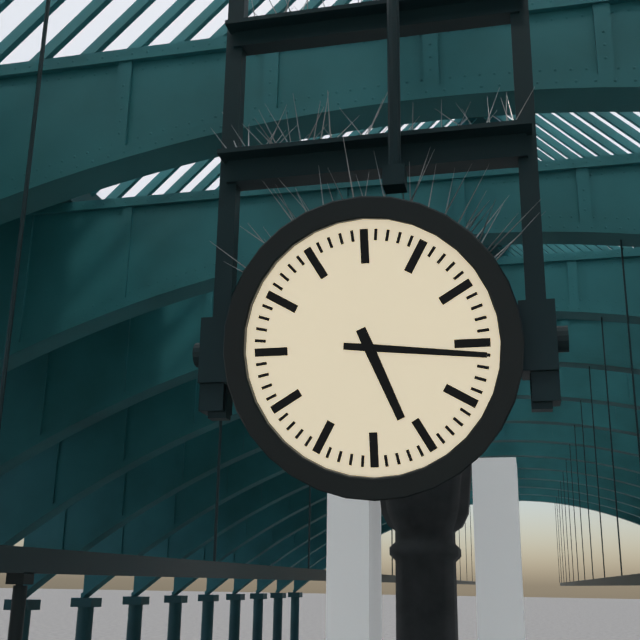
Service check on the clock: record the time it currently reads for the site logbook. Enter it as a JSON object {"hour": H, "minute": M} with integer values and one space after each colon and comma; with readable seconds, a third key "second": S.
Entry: {"hour": 5, "minute": 16}
